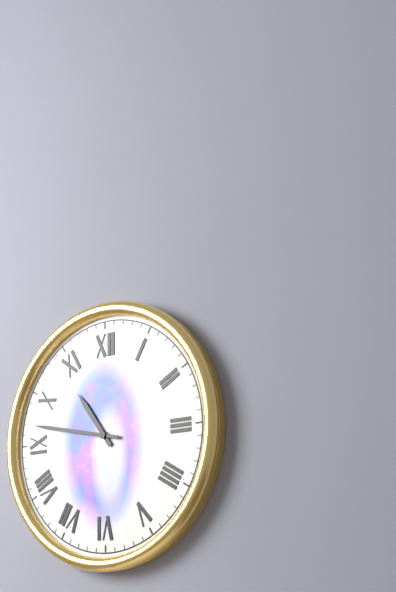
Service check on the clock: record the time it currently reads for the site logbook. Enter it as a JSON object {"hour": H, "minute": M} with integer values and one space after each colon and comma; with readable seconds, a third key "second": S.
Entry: {"hour": 10, "minute": 47}
